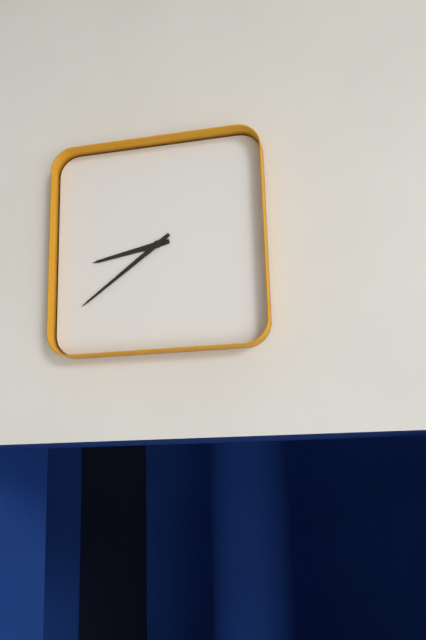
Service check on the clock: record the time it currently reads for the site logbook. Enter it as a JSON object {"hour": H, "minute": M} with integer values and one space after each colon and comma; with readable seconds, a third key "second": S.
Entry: {"hour": 8, "minute": 39}
